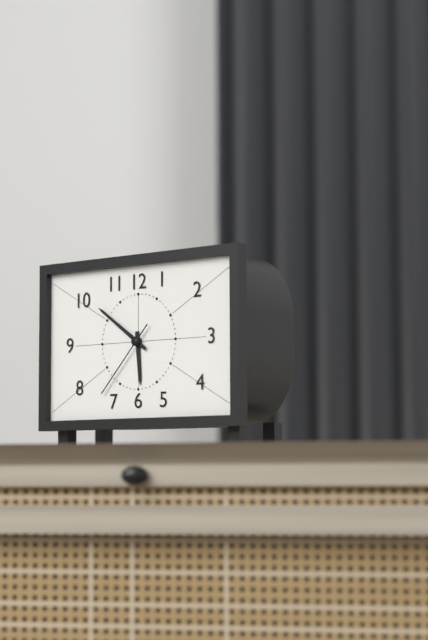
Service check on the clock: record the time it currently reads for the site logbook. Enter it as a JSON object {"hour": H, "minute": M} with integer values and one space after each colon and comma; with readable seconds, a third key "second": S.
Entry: {"hour": 5, "minute": 51, "second": 37}
